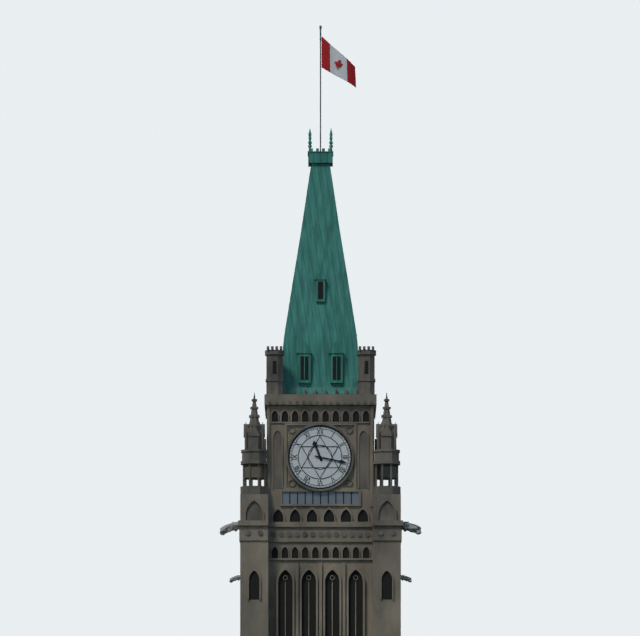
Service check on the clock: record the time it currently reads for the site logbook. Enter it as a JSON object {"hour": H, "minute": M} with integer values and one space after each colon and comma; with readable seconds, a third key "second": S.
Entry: {"hour": 11, "minute": 17}
